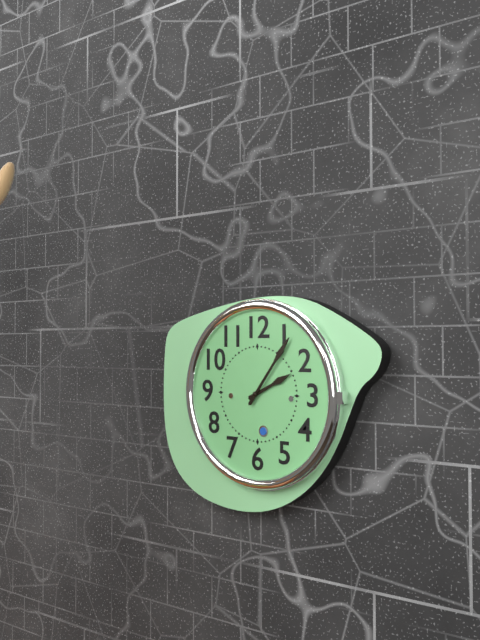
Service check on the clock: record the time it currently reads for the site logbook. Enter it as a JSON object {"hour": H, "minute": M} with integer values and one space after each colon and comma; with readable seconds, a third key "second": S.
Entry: {"hour": 2, "minute": 6}
